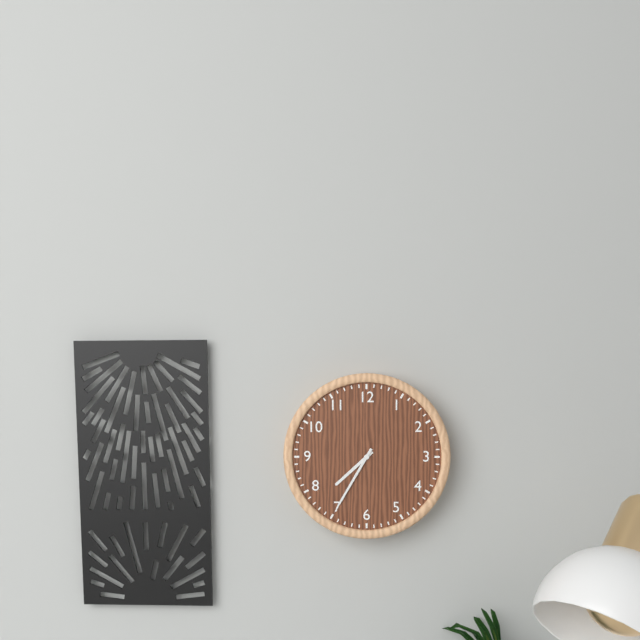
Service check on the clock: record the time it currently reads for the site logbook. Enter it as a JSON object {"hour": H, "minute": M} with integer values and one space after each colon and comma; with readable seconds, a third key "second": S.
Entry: {"hour": 7, "minute": 35}
